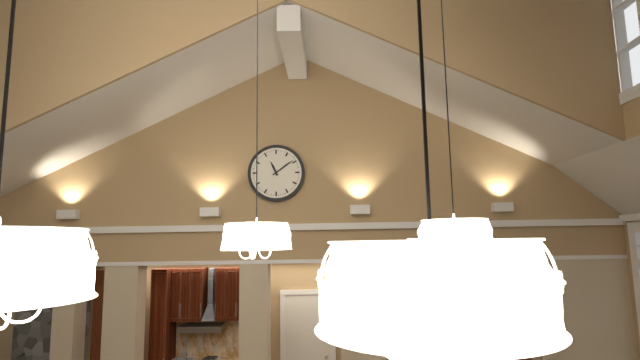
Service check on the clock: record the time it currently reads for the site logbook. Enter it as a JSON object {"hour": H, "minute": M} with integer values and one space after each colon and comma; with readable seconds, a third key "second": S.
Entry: {"hour": 11, "minute": 9}
